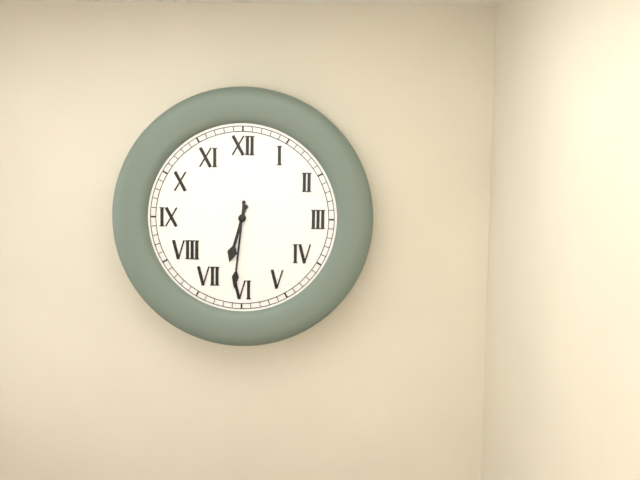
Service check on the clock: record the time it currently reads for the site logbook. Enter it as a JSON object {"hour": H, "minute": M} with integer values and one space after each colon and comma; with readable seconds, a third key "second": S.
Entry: {"hour": 6, "minute": 31}
